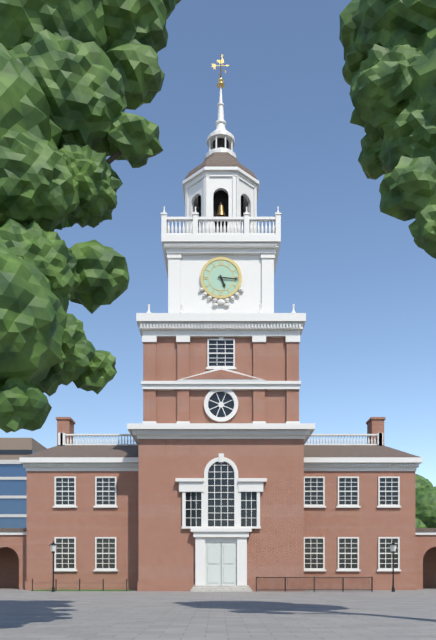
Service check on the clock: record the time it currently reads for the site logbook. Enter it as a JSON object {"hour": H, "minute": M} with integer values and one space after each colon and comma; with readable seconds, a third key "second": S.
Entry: {"hour": 5, "minute": 16}
